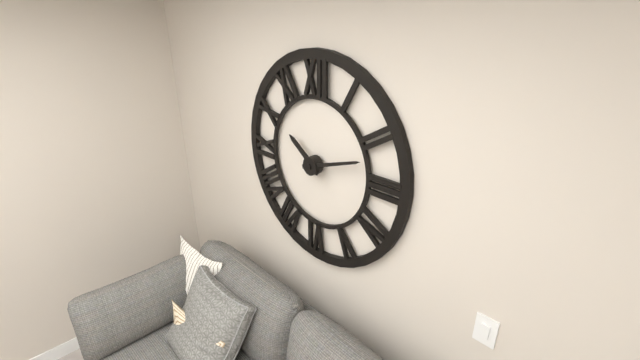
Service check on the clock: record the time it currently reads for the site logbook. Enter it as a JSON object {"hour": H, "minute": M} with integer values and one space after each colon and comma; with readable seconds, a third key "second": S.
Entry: {"hour": 10, "minute": 12}
